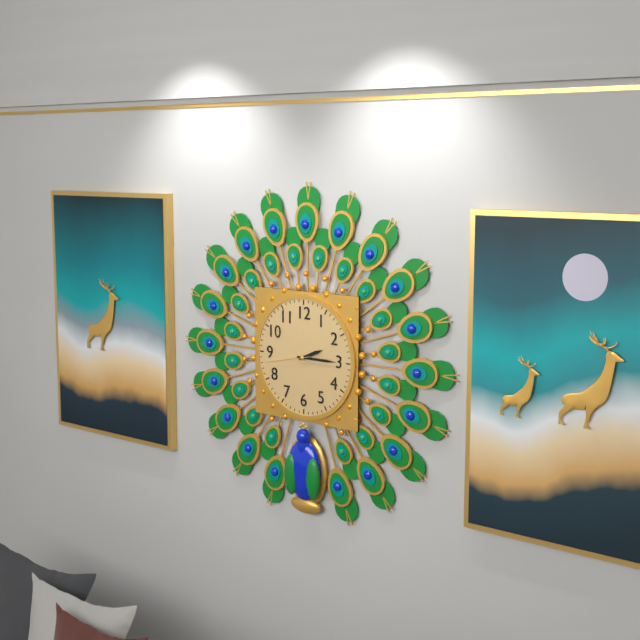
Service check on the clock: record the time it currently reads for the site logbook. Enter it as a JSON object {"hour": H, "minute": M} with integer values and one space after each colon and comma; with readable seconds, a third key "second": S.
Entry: {"hour": 2, "minute": 15, "second": 43}
